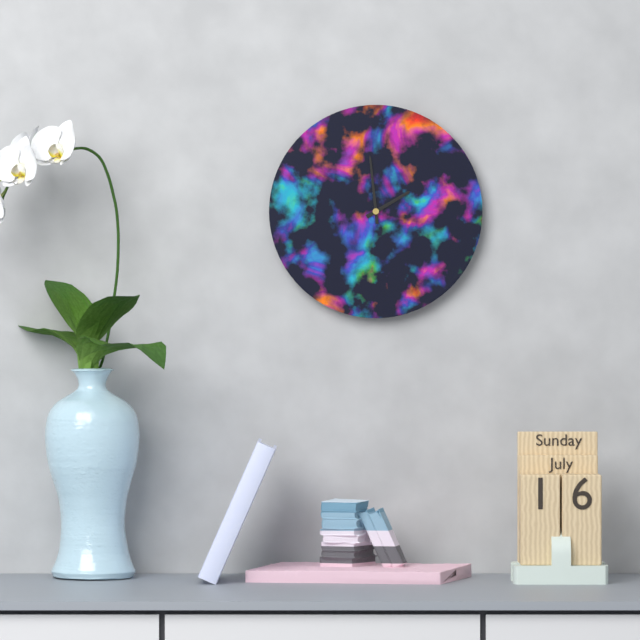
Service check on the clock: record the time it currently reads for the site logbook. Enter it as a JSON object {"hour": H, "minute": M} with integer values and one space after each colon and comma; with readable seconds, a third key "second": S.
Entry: {"hour": 1, "minute": 59}
